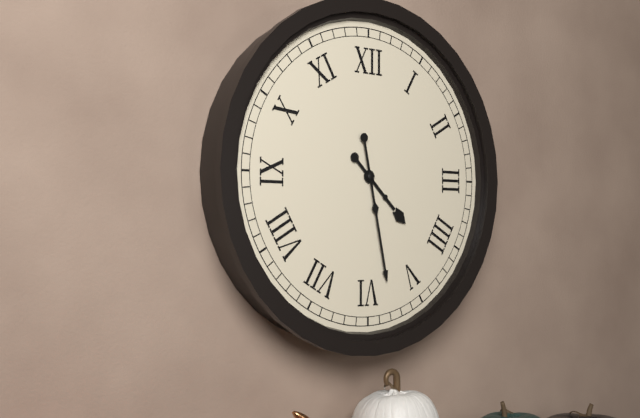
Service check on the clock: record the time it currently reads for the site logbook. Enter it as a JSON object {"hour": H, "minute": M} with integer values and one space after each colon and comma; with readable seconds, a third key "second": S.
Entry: {"hour": 4, "minute": 28}
